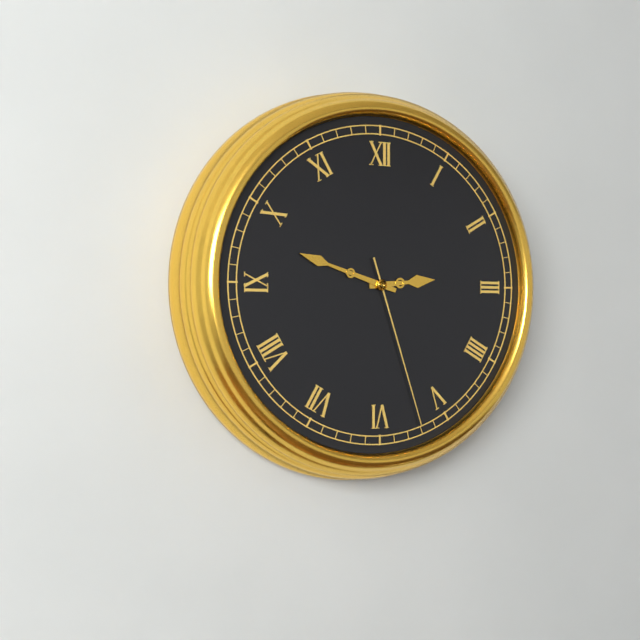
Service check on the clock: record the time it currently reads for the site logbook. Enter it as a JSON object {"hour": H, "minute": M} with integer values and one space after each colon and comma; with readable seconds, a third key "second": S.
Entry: {"hour": 2, "minute": 48, "second": 27}
